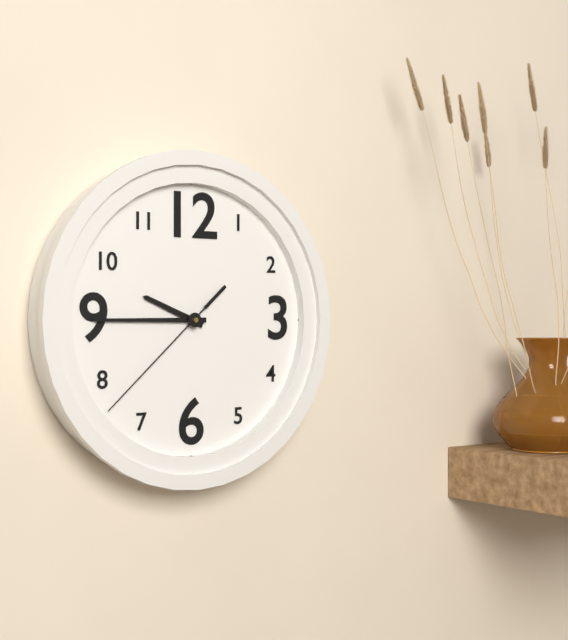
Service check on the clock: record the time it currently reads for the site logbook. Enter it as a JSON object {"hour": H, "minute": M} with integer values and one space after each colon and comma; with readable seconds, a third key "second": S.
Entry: {"hour": 9, "minute": 45, "second": 38}
